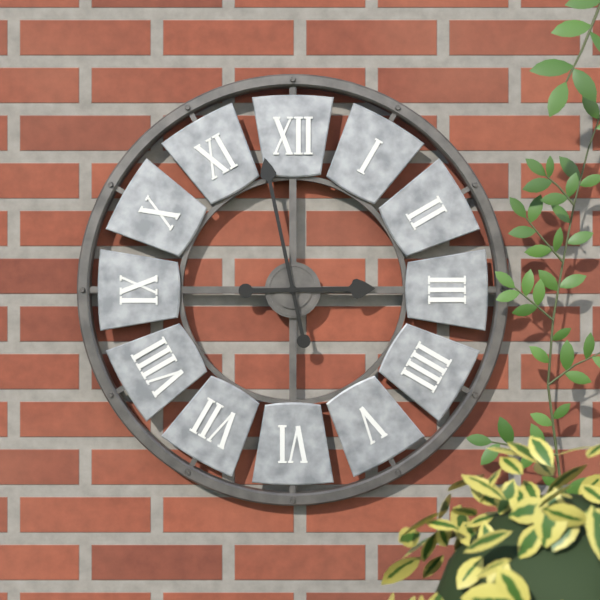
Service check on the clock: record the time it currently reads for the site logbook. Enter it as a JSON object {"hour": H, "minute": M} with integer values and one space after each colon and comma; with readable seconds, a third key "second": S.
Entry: {"hour": 2, "minute": 58}
